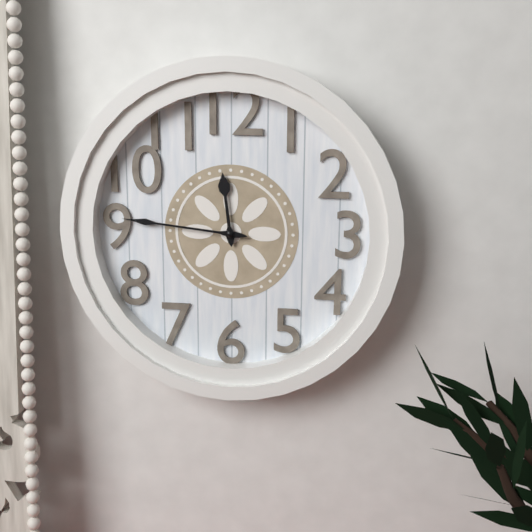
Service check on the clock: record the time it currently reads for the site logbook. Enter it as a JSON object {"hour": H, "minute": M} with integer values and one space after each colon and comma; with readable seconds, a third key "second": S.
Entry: {"hour": 11, "minute": 46}
